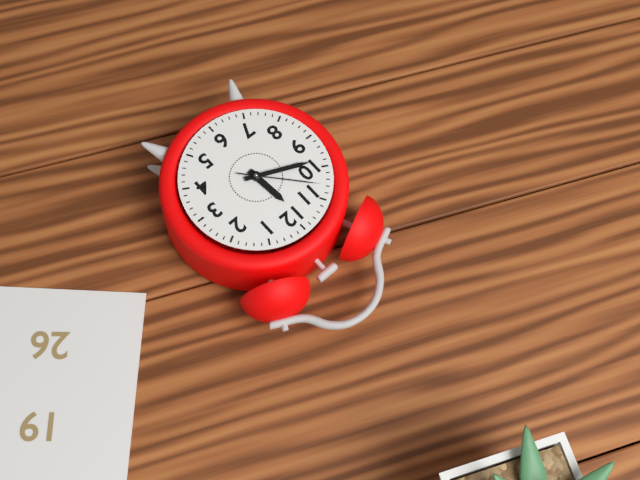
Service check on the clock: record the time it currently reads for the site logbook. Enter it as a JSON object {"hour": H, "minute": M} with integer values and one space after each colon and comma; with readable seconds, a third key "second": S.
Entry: {"hour": 11, "minute": 49, "second": 53}
